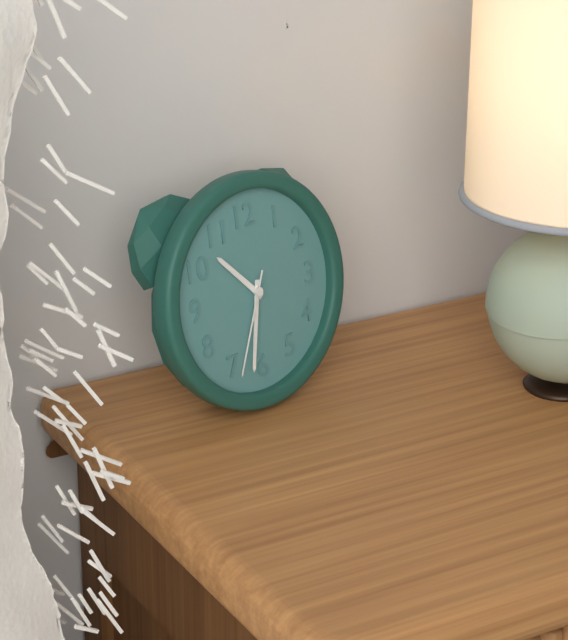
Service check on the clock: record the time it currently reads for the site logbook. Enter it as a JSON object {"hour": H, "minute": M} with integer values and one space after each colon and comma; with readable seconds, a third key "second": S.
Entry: {"hour": 10, "minute": 32, "second": 34}
